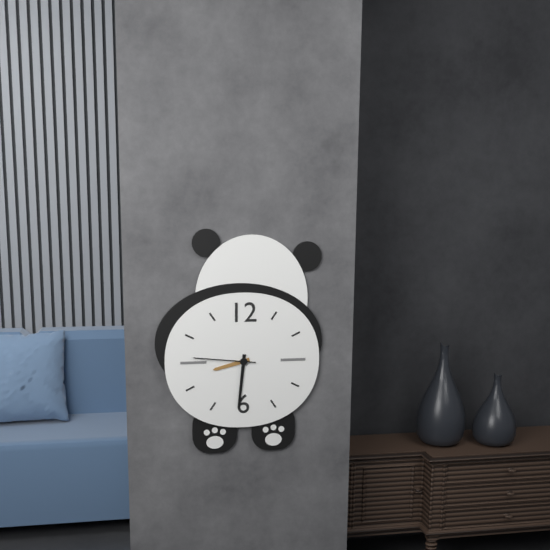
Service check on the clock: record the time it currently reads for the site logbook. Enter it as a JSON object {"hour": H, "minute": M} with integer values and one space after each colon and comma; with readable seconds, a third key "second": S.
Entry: {"hour": 8, "minute": 31, "second": 46}
